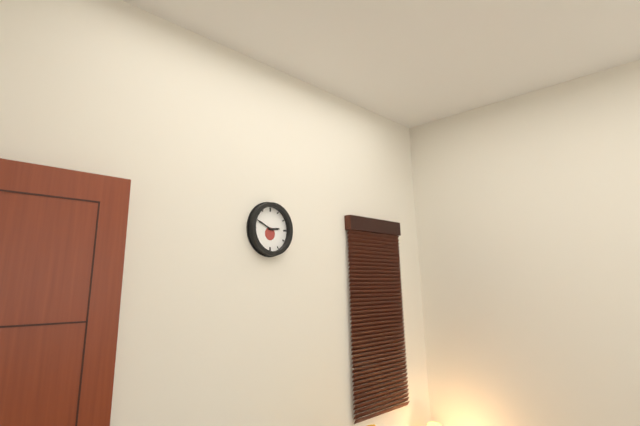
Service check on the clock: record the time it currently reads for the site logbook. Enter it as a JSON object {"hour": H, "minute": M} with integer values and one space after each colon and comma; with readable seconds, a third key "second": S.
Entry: {"hour": 2, "minute": 49}
